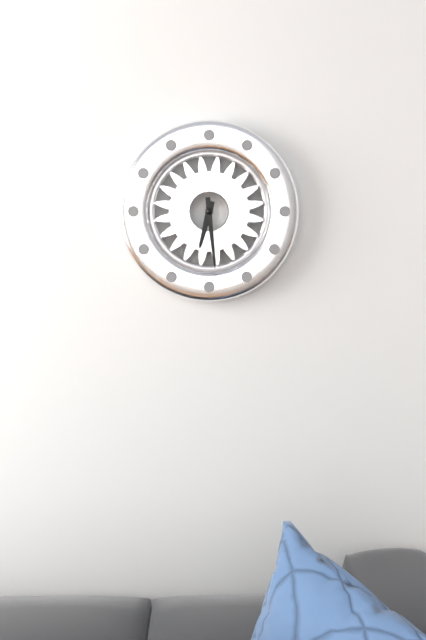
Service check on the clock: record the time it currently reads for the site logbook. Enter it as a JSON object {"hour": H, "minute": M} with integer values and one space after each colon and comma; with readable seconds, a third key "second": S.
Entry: {"hour": 6, "minute": 29}
